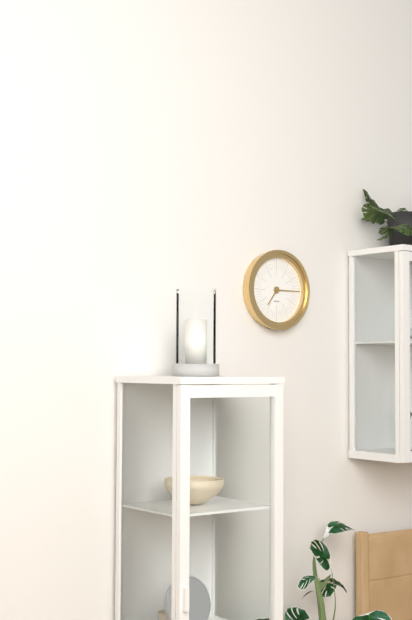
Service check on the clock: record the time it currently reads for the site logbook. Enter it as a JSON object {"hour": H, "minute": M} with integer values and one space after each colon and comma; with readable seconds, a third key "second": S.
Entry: {"hour": 7, "minute": 15}
